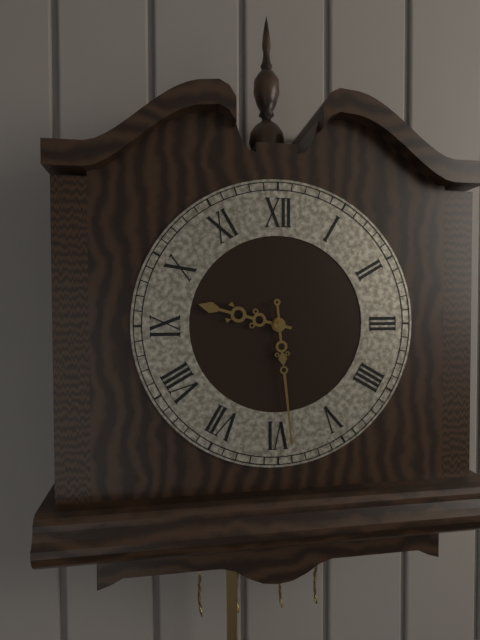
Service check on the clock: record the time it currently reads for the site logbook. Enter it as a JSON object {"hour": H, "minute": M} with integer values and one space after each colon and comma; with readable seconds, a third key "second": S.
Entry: {"hour": 9, "minute": 29}
